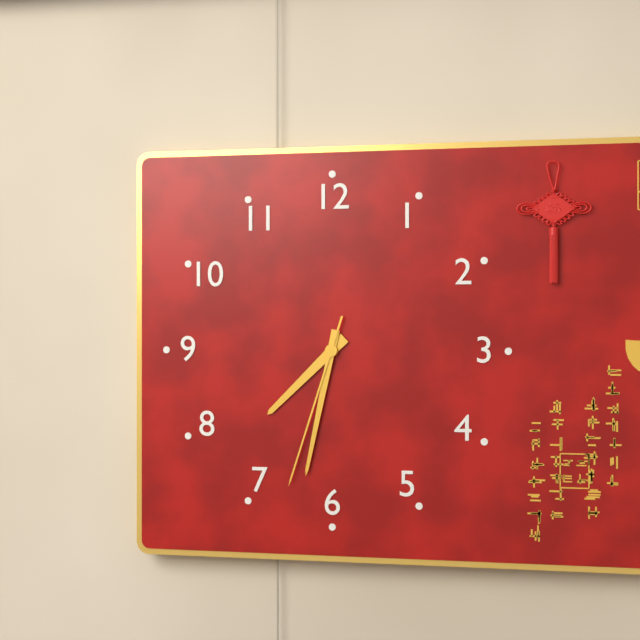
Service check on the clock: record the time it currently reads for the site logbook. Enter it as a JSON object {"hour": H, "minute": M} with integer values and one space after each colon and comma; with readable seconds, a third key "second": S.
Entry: {"hour": 7, "minute": 32, "second": 33}
